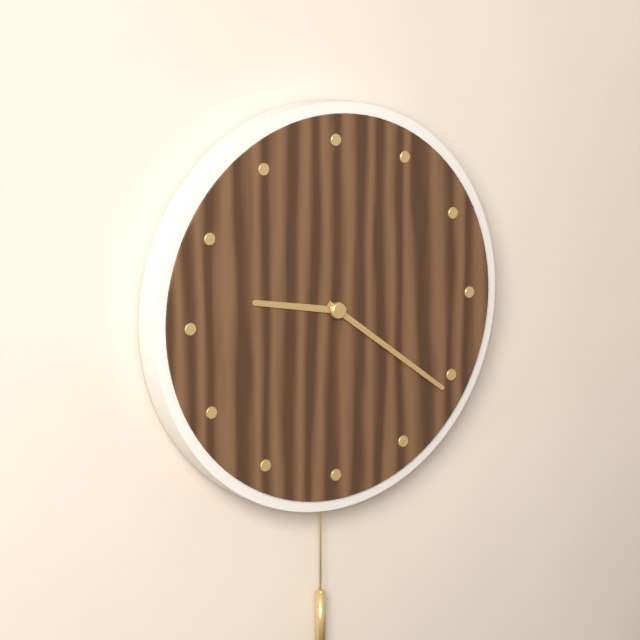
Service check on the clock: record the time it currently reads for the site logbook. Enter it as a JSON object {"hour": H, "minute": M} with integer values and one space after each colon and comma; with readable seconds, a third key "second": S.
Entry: {"hour": 9, "minute": 21}
